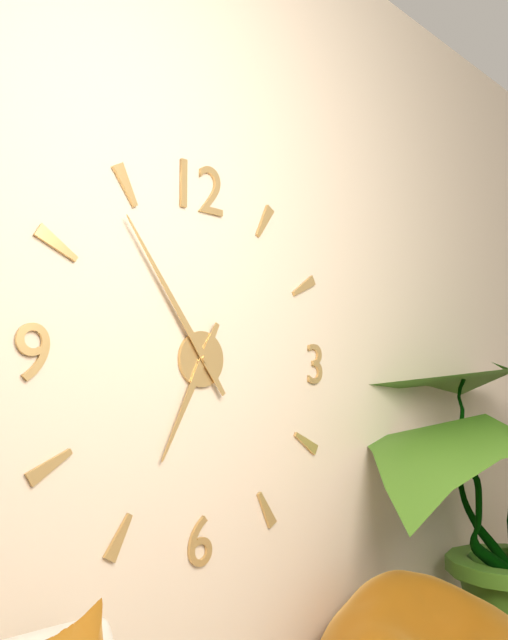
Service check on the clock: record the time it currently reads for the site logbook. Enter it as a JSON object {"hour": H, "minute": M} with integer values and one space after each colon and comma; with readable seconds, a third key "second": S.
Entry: {"hour": 6, "minute": 54}
